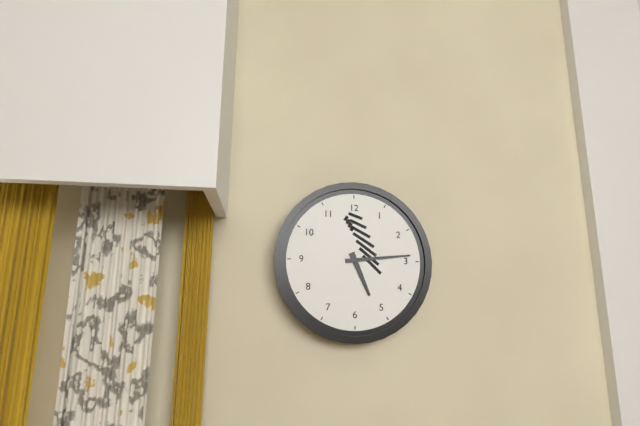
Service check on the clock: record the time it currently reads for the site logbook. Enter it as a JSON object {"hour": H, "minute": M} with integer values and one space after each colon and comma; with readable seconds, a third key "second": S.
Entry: {"hour": 5, "minute": 14}
